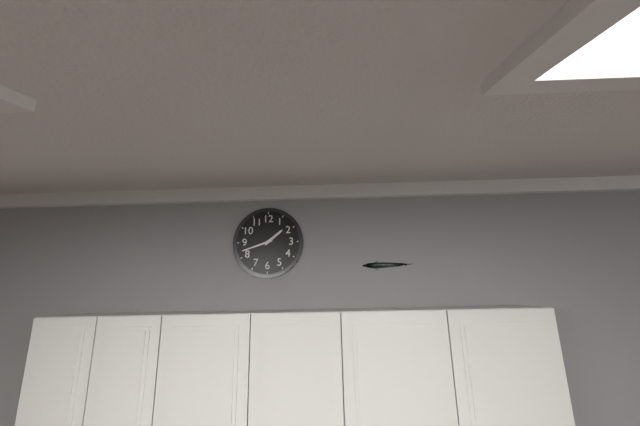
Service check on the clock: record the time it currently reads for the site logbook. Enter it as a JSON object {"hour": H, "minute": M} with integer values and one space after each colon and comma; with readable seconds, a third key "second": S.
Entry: {"hour": 1, "minute": 42}
